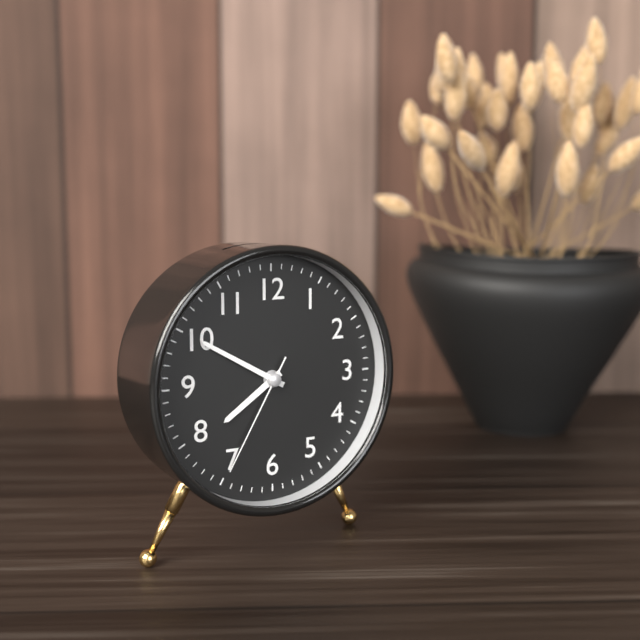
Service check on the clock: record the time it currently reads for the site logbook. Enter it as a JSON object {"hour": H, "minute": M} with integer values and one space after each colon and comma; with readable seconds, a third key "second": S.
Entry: {"hour": 7, "minute": 50, "second": 35}
